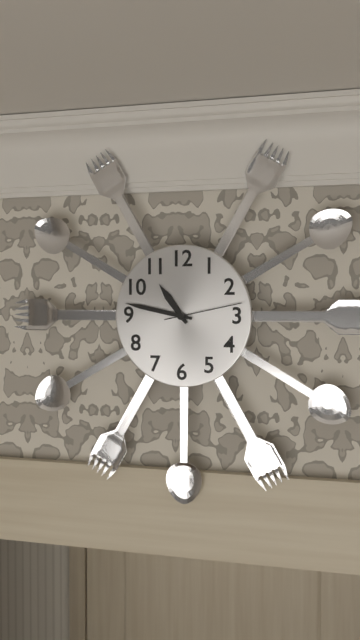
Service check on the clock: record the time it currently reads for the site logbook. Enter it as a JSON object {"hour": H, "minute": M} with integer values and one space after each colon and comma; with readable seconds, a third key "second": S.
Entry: {"hour": 10, "minute": 47, "second": 13}
